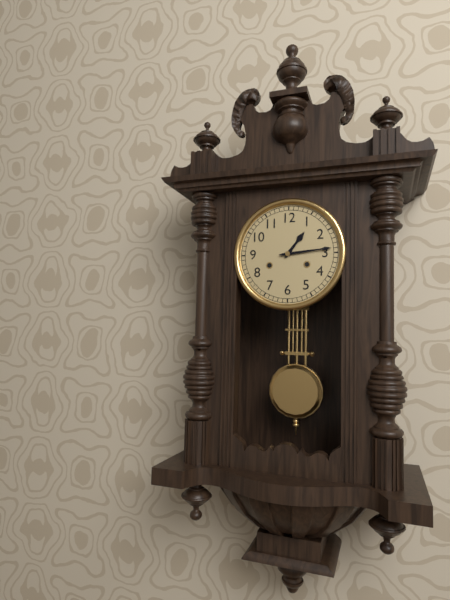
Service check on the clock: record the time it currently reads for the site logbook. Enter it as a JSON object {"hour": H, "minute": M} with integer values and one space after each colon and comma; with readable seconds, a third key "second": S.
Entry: {"hour": 1, "minute": 14}
